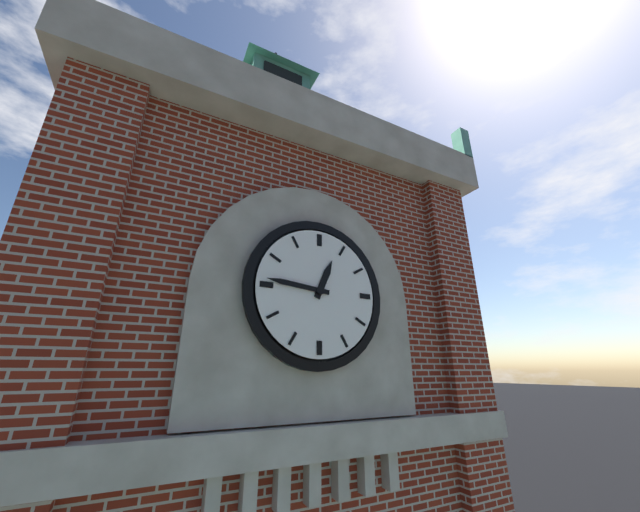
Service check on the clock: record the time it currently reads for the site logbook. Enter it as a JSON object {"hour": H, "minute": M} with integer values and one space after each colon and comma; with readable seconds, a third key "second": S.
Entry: {"hour": 12, "minute": 46}
